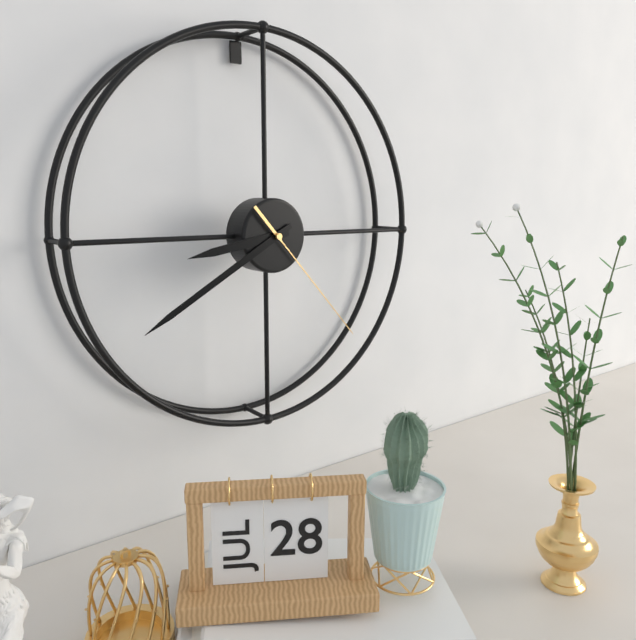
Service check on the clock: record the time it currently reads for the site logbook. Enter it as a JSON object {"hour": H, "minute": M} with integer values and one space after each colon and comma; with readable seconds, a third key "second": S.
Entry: {"hour": 8, "minute": 40, "second": 23}
